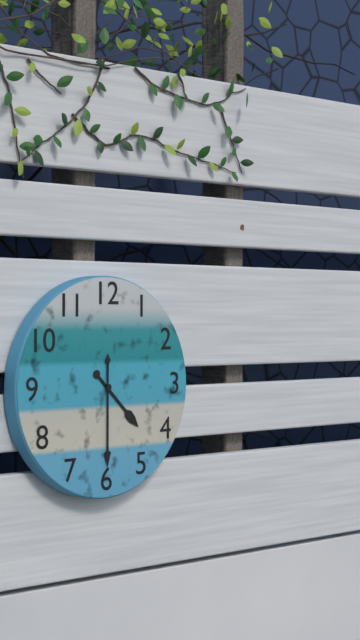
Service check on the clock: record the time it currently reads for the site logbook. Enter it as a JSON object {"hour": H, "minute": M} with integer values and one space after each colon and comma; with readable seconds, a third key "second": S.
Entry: {"hour": 4, "minute": 30}
